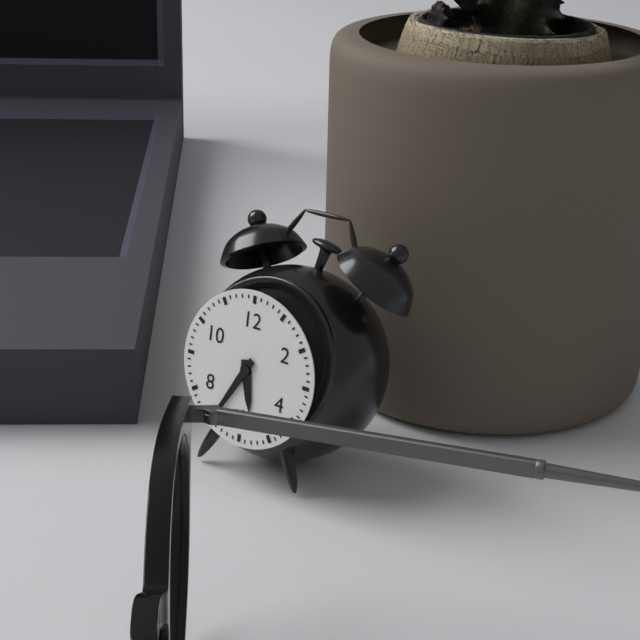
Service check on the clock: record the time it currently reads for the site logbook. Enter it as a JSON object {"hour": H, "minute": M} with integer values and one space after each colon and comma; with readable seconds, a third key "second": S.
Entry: {"hour": 5, "minute": 35}
